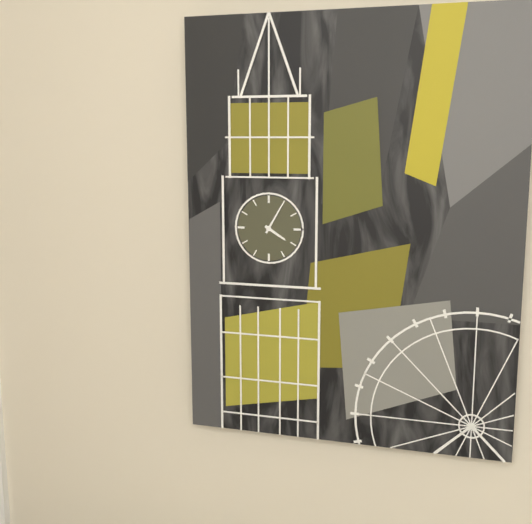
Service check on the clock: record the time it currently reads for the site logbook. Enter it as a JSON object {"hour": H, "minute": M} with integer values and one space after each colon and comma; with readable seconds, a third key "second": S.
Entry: {"hour": 4, "minute": 5}
